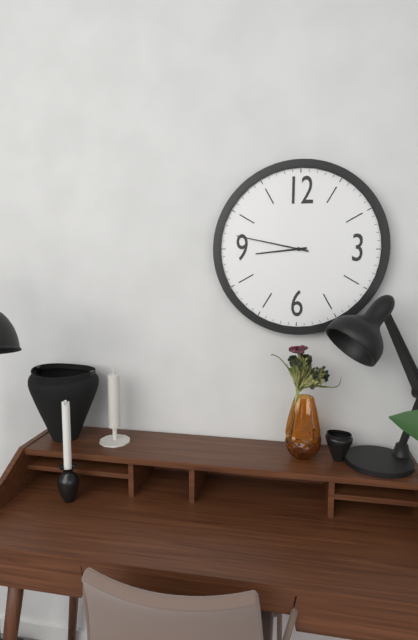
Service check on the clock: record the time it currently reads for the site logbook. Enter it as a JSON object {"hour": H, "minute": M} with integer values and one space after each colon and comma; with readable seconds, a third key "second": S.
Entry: {"hour": 8, "minute": 47}
